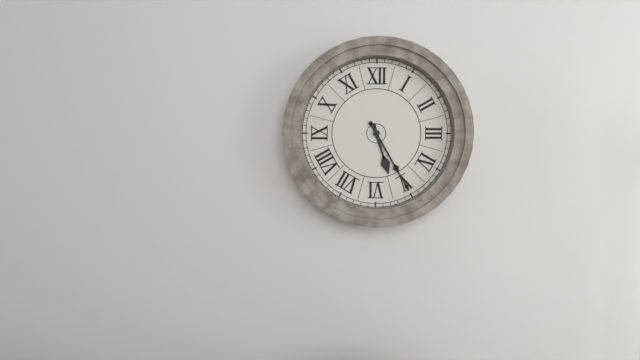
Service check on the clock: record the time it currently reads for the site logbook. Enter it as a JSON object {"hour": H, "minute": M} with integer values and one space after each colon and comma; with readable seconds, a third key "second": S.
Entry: {"hour": 5, "minute": 25}
